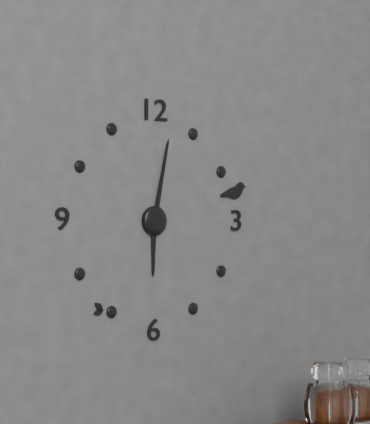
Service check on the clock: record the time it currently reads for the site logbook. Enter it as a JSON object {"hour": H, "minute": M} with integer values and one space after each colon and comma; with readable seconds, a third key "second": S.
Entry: {"hour": 6, "minute": 2}
